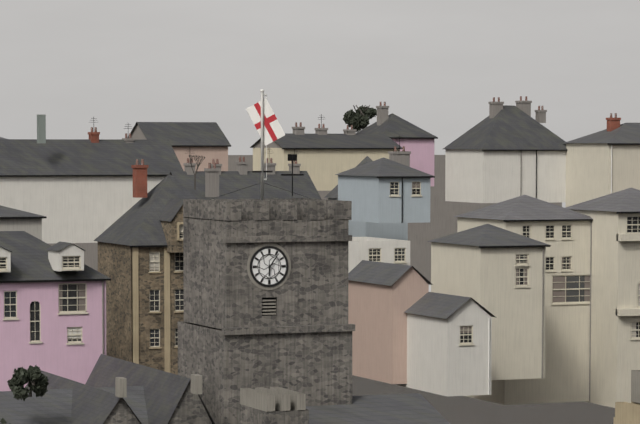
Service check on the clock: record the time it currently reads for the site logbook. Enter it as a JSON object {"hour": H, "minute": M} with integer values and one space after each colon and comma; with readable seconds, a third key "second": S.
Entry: {"hour": 6, "minute": 6}
